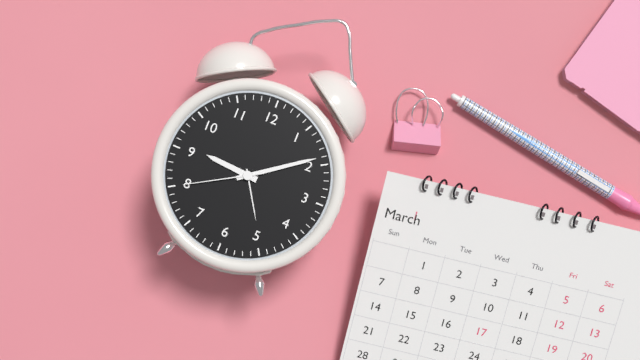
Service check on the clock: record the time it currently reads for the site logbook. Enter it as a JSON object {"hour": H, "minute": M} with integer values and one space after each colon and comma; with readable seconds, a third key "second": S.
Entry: {"hour": 9, "minute": 9, "second": 40}
